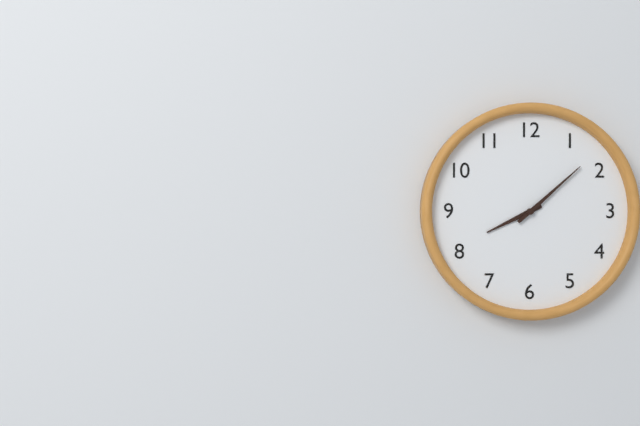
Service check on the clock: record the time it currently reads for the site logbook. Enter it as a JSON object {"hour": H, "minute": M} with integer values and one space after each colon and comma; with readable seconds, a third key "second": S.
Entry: {"hour": 8, "minute": 8}
